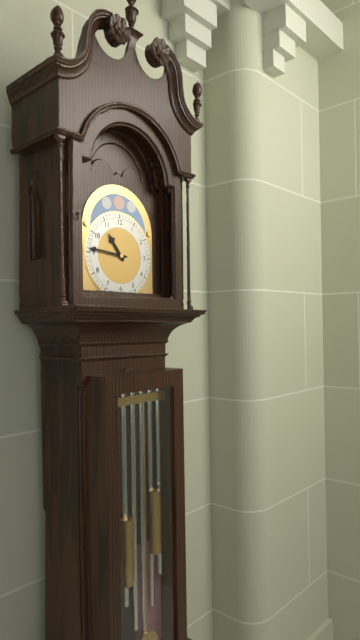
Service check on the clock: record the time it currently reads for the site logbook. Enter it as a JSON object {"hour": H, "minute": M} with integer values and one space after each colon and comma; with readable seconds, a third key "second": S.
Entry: {"hour": 10, "minute": 46}
